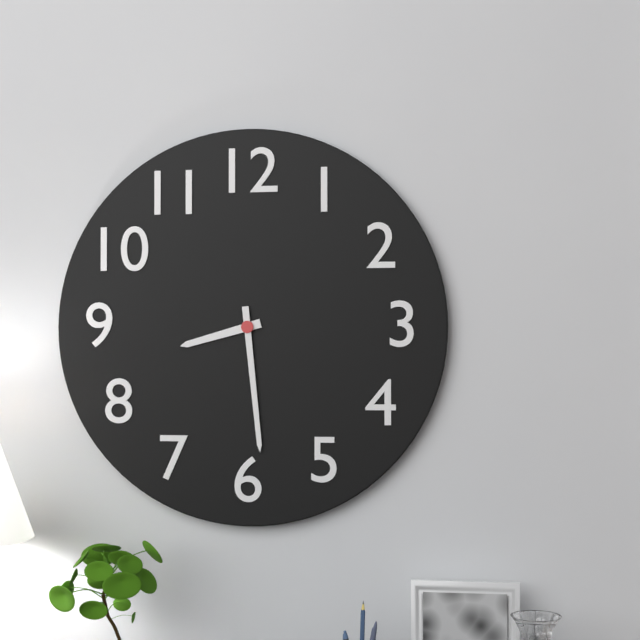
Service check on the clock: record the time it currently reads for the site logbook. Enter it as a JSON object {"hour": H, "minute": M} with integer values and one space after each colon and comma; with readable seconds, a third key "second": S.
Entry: {"hour": 8, "minute": 29}
